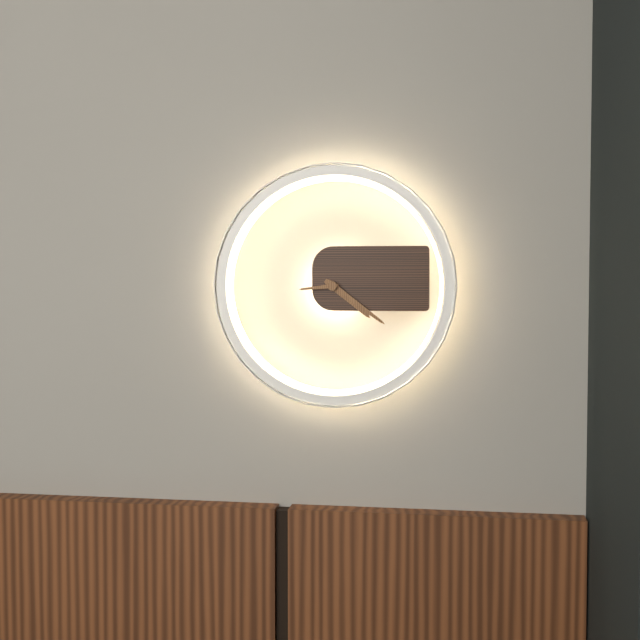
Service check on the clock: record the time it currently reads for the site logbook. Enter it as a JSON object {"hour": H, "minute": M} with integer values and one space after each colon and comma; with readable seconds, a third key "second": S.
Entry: {"hour": 4, "minute": 21, "second": 44}
